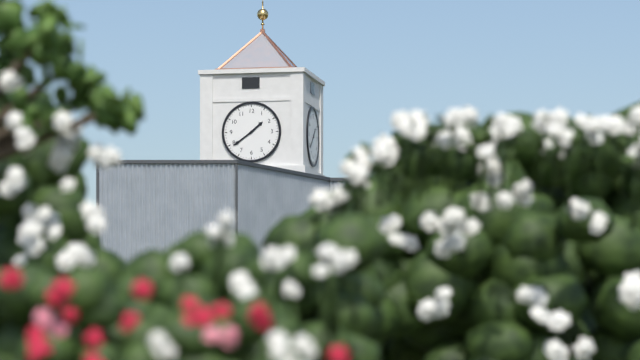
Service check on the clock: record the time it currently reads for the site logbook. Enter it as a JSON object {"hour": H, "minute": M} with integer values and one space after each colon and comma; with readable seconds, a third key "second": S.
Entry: {"hour": 1, "minute": 39}
